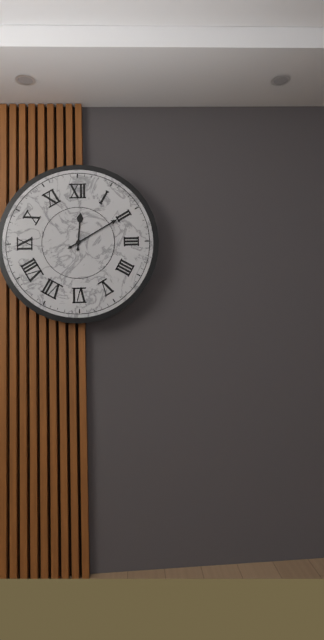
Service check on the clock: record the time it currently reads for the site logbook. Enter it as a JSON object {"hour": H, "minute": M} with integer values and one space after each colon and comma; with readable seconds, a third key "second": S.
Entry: {"hour": 12, "minute": 10}
